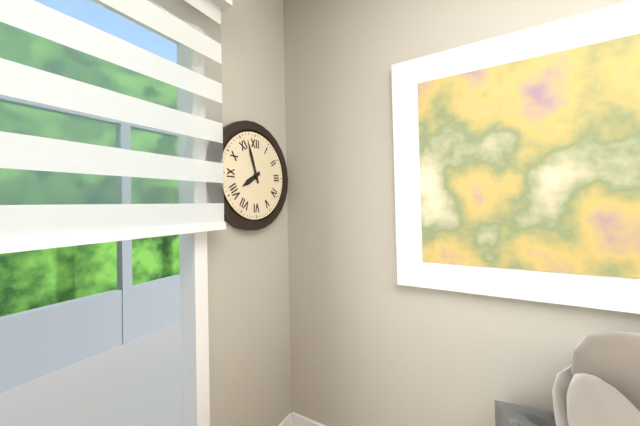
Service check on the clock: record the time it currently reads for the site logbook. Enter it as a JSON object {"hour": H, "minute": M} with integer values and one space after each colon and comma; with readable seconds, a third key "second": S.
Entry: {"hour": 7, "minute": 57}
